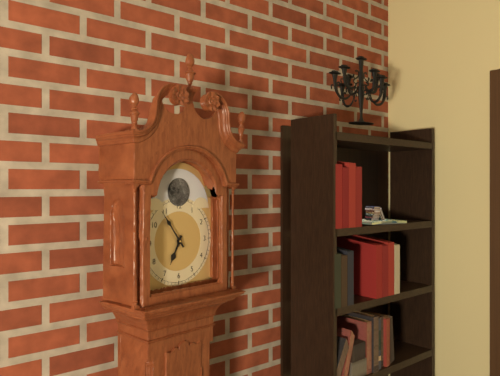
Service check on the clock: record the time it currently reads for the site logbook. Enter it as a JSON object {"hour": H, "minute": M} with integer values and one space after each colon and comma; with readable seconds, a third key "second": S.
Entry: {"hour": 6, "minute": 54}
